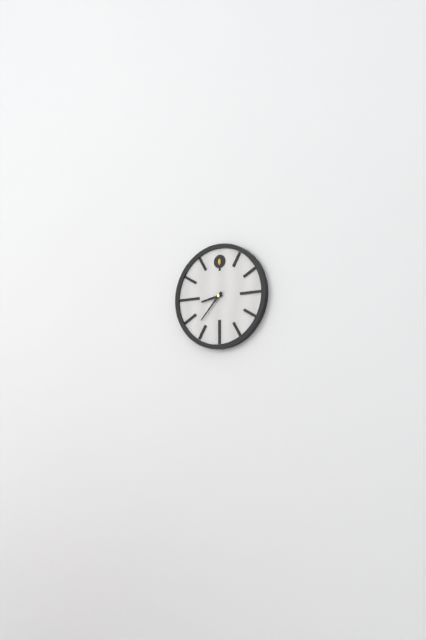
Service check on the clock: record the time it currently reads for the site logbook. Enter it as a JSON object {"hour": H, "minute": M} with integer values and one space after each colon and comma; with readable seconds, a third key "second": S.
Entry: {"hour": 8, "minute": 37}
